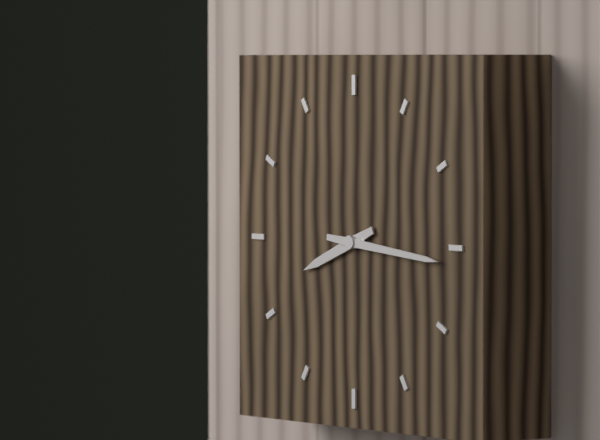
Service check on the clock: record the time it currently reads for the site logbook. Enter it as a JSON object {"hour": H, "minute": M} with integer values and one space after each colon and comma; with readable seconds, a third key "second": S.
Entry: {"hour": 8, "minute": 16}
